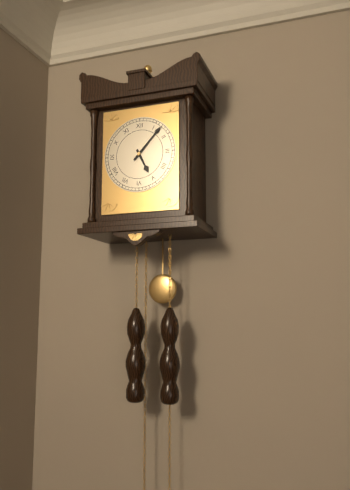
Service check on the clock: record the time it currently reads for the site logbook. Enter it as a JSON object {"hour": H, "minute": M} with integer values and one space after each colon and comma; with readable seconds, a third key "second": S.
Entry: {"hour": 5, "minute": 7}
